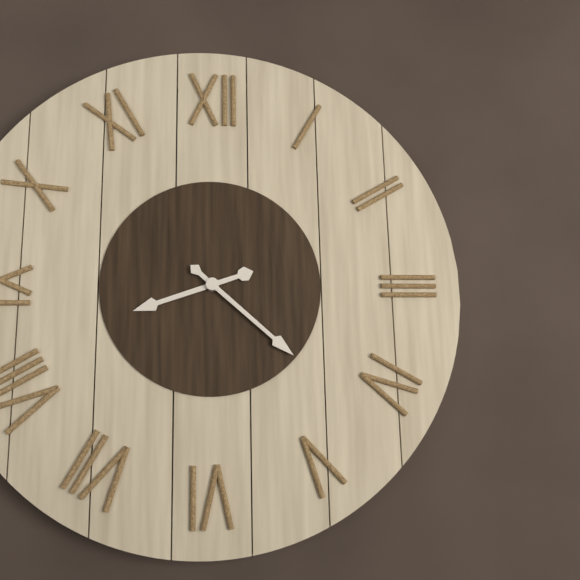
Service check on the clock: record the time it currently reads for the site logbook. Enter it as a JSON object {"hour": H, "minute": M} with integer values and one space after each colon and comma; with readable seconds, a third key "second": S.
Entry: {"hour": 8, "minute": 22}
